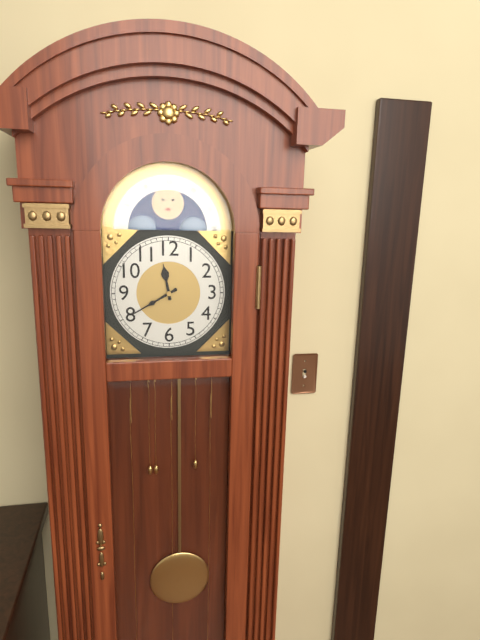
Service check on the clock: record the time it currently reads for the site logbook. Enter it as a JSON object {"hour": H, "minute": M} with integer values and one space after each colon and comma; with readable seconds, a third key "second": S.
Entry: {"hour": 11, "minute": 40}
